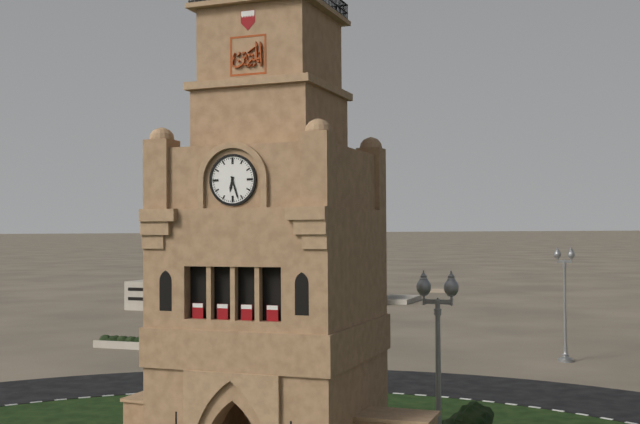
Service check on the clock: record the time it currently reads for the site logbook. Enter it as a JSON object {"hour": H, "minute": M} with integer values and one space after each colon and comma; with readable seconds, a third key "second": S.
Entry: {"hour": 6, "minute": 27}
